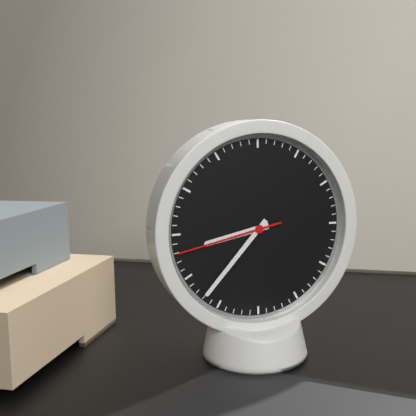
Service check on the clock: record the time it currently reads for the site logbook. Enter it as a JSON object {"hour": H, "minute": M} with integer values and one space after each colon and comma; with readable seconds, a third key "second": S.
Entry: {"hour": 8, "minute": 37, "second": 43}
